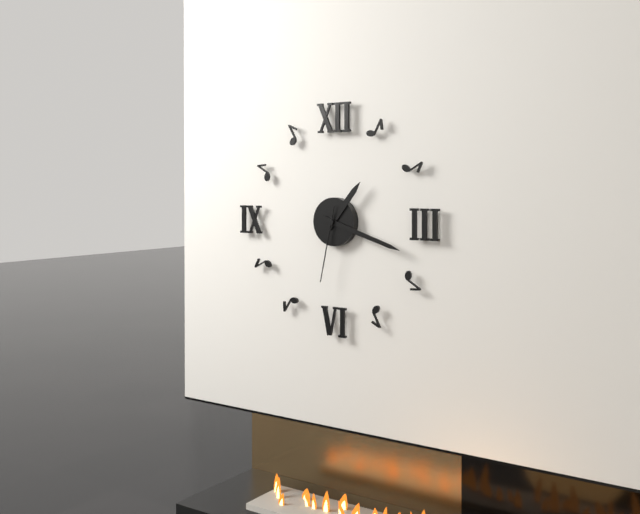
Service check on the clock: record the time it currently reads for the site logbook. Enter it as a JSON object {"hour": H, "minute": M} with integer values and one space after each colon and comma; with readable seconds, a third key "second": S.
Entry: {"hour": 1, "minute": 18, "second": 32}
